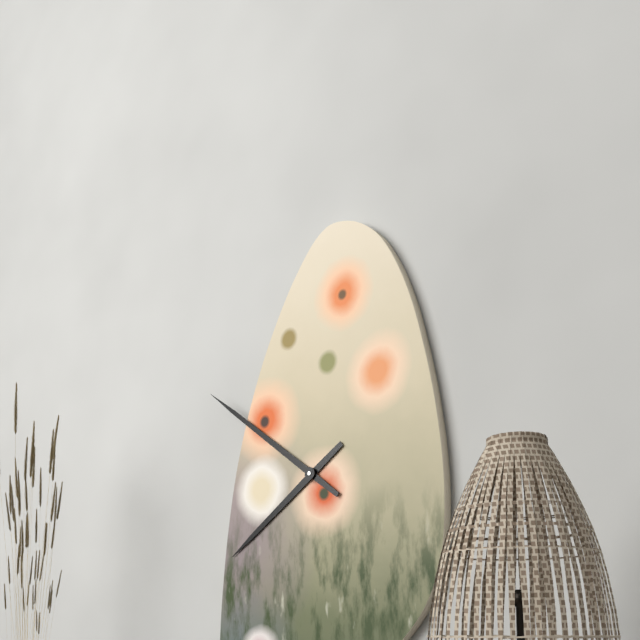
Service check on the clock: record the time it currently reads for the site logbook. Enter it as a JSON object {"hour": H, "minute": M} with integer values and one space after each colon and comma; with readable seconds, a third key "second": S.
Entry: {"hour": 7, "minute": 51}
